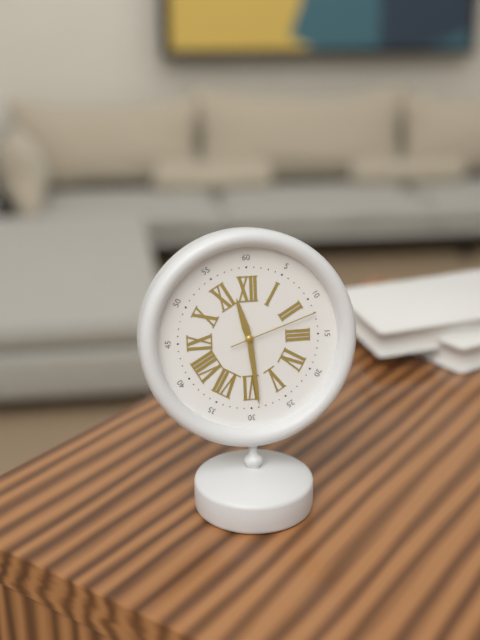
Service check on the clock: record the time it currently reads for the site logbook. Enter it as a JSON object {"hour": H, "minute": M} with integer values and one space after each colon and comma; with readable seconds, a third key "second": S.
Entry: {"hour": 11, "minute": 29, "second": 12}
